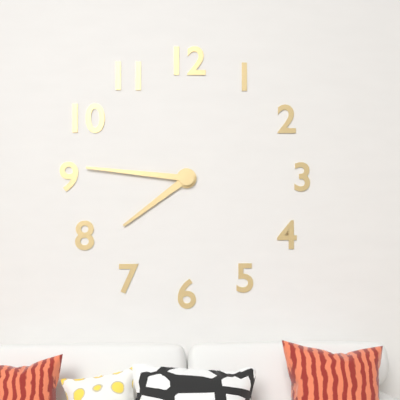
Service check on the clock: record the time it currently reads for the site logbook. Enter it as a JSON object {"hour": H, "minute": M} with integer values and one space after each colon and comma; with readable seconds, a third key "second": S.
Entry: {"hour": 7, "minute": 46}
